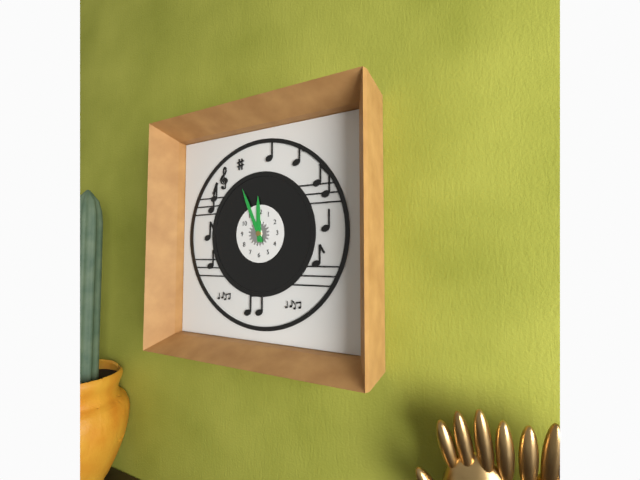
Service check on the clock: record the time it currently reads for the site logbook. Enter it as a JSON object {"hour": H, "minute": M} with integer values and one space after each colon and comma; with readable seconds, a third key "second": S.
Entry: {"hour": 11, "minute": 56}
